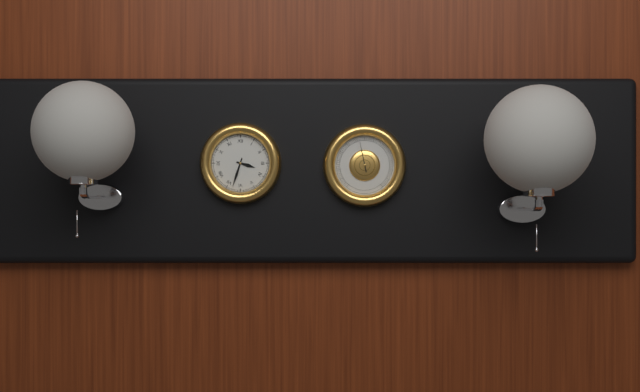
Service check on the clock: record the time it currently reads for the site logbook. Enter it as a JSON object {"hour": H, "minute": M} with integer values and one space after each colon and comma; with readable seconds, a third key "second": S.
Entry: {"hour": 3, "minute": 33}
